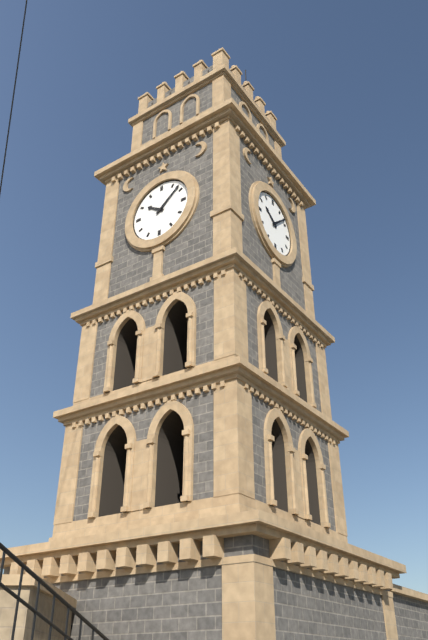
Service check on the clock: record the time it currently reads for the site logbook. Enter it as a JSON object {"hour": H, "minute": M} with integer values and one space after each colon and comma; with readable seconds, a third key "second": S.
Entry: {"hour": 10, "minute": 8}
